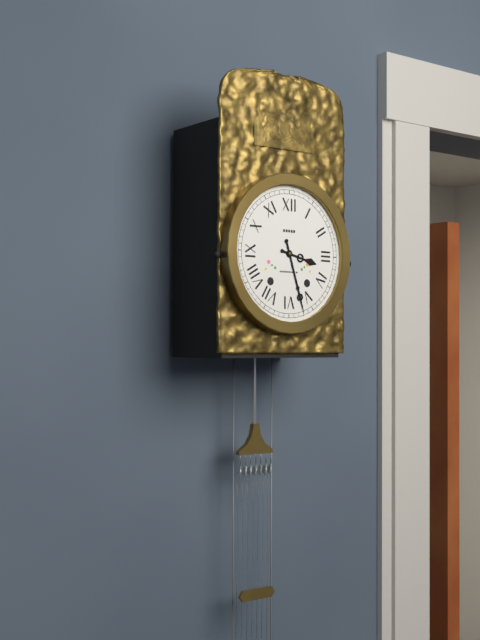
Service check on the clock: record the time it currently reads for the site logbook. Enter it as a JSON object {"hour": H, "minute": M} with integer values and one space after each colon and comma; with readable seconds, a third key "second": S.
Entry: {"hour": 3, "minute": 27}
